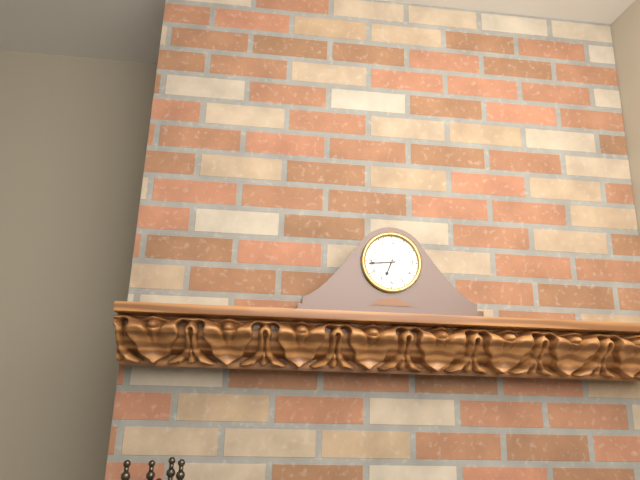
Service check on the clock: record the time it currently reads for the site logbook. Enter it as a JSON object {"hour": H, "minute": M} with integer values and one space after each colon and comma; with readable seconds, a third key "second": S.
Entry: {"hour": 6, "minute": 44}
